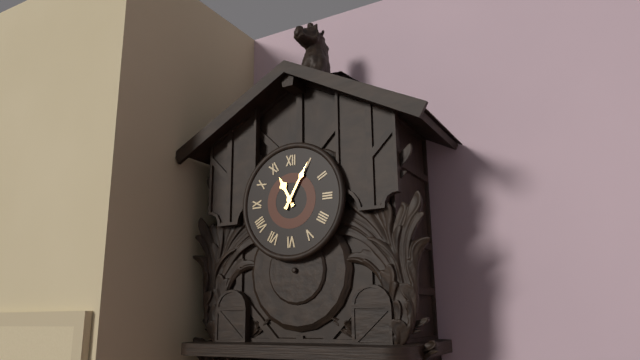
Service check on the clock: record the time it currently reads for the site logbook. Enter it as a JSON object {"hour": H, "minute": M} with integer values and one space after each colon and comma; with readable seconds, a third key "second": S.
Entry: {"hour": 11, "minute": 5}
